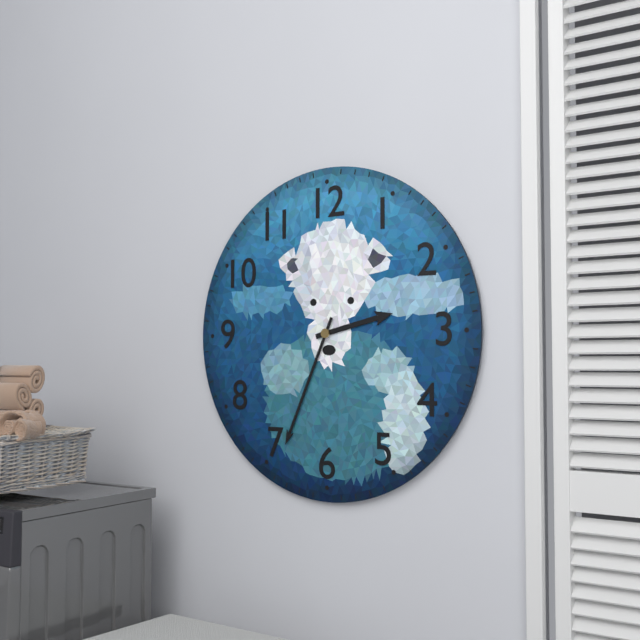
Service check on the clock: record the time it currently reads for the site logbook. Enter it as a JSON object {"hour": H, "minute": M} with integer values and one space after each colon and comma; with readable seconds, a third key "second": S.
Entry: {"hour": 2, "minute": 34}
